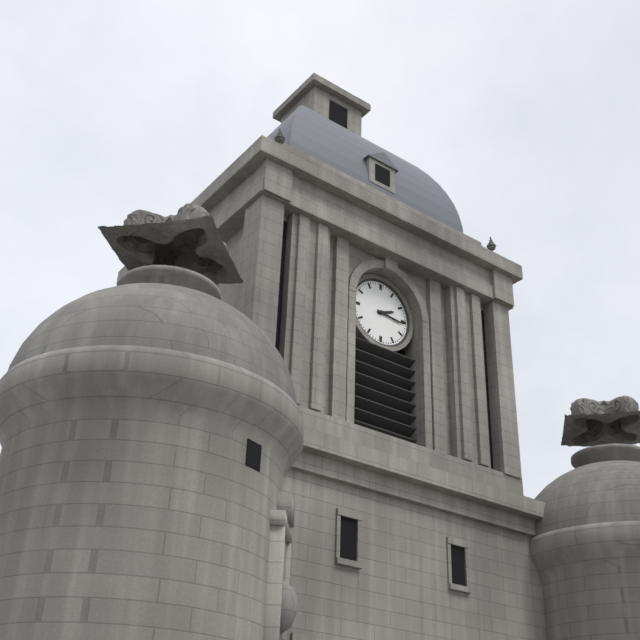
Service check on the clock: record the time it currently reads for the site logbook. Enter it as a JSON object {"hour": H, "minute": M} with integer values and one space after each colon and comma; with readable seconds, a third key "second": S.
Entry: {"hour": 2, "minute": 16}
